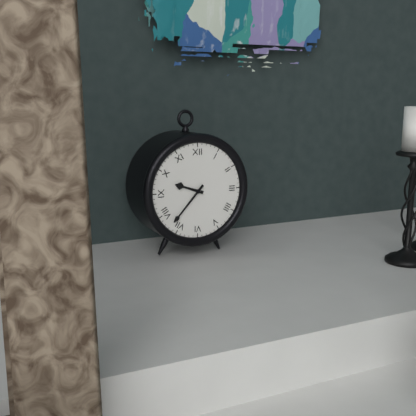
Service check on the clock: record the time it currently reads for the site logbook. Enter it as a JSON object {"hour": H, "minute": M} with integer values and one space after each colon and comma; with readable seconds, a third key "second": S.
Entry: {"hour": 9, "minute": 37}
